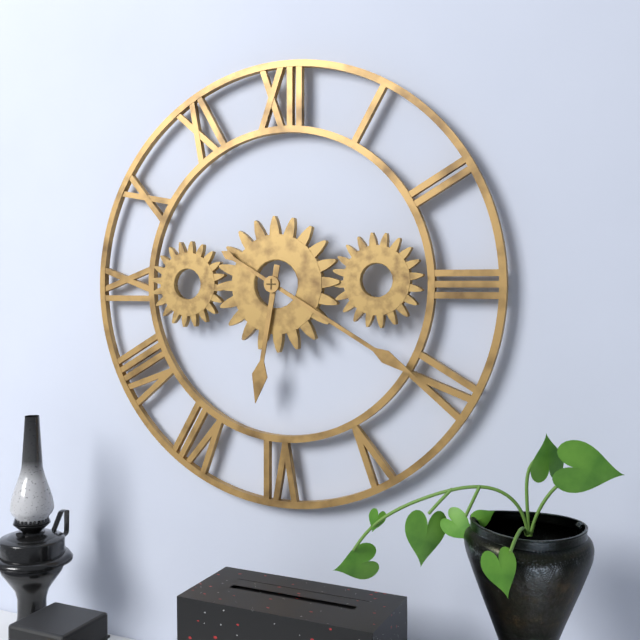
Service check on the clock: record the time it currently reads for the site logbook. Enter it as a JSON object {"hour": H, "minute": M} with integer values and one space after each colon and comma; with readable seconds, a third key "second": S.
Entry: {"hour": 6, "minute": 20}
